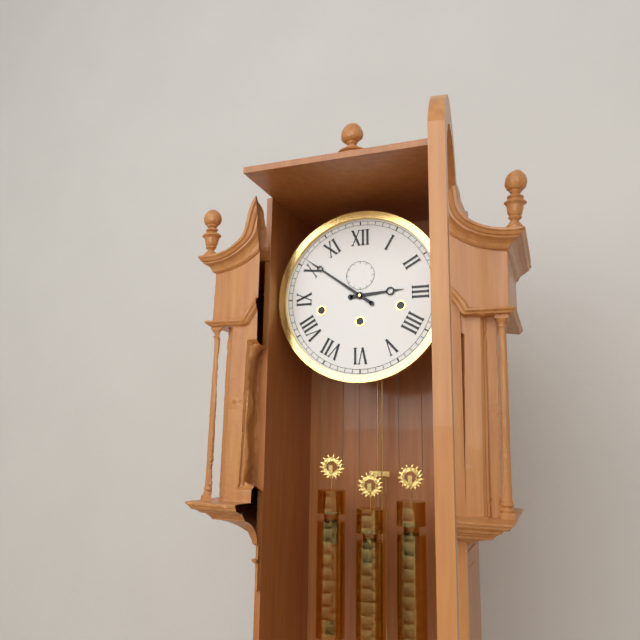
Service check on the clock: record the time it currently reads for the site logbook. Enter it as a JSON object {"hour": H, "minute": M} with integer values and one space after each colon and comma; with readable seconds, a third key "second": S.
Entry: {"hour": 2, "minute": 51}
